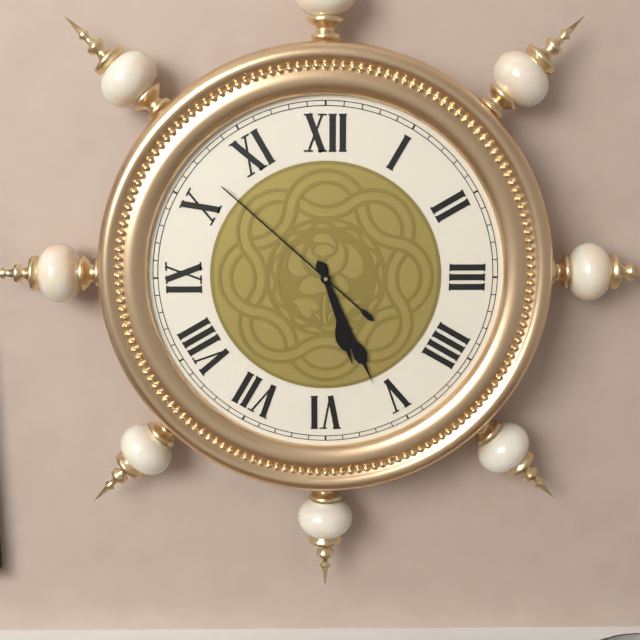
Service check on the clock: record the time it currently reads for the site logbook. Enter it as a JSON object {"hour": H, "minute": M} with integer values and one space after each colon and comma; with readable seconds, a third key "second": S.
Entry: {"hour": 5, "minute": 26, "second": 52}
